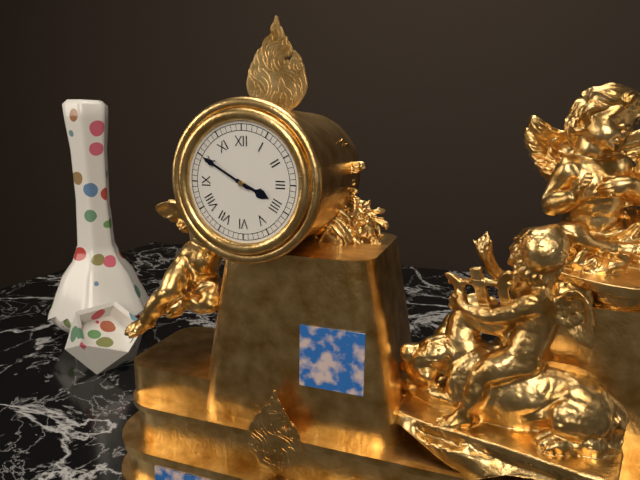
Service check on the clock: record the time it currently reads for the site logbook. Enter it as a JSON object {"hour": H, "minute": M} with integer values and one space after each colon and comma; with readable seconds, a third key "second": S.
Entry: {"hour": 3, "minute": 50}
